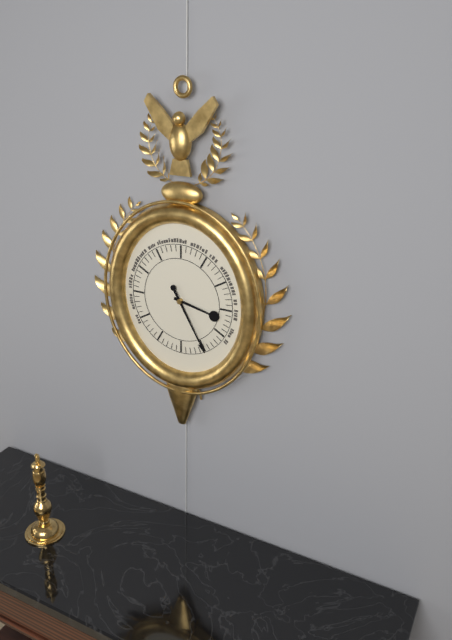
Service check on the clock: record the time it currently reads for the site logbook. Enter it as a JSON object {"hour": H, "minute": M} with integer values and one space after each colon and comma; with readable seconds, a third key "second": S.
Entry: {"hour": 3, "minute": 25}
